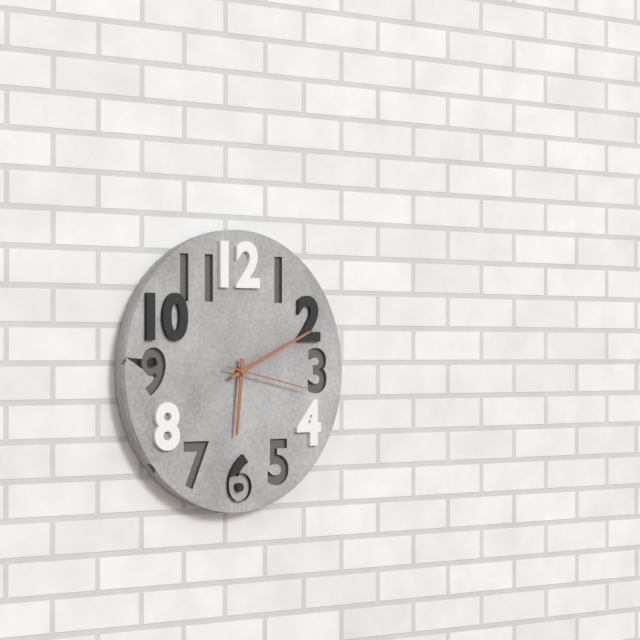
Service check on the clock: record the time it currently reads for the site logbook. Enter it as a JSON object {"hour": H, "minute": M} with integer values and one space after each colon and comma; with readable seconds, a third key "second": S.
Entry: {"hour": 6, "minute": 11, "second": 17}
